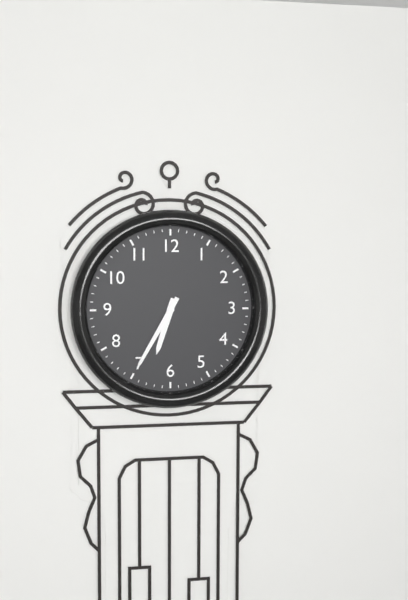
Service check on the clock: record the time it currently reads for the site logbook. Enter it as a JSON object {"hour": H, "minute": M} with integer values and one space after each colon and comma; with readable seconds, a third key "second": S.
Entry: {"hour": 6, "minute": 35}
